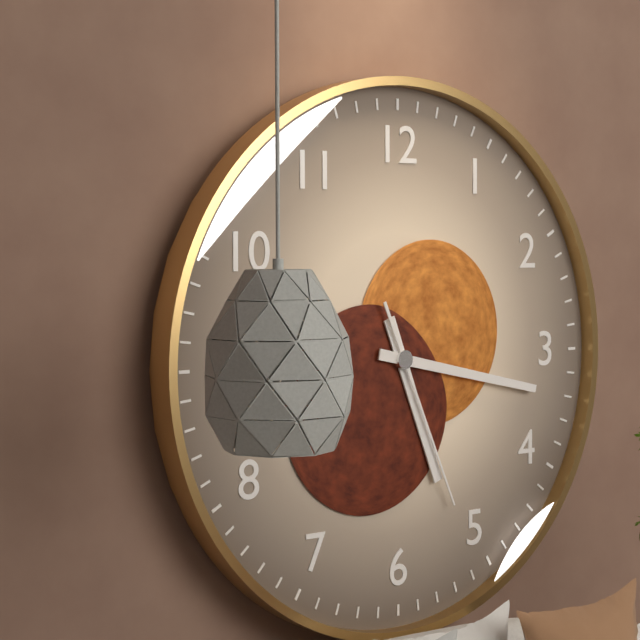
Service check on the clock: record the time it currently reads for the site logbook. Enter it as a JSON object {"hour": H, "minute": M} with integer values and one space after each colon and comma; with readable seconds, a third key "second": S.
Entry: {"hour": 5, "minute": 17, "second": 26}
